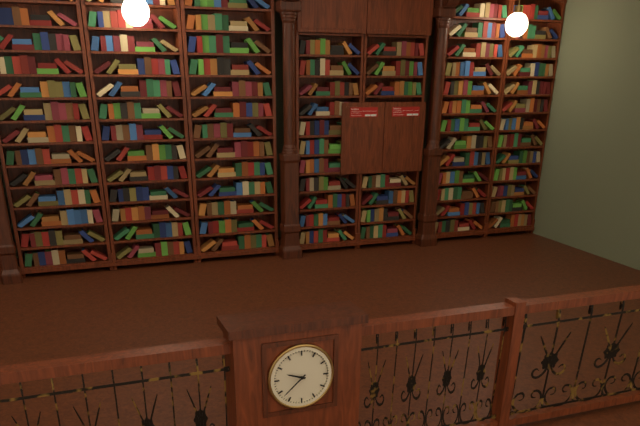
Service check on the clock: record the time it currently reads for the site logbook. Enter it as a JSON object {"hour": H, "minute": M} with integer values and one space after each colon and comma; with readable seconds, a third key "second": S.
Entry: {"hour": 9, "minute": 38}
